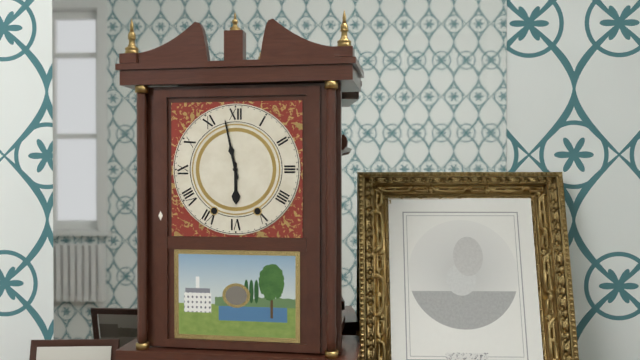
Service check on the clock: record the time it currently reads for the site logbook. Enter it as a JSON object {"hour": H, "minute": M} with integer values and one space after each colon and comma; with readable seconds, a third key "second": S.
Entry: {"hour": 5, "minute": 58}
